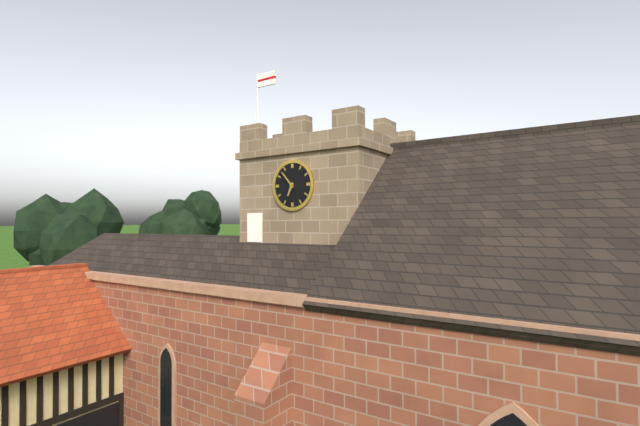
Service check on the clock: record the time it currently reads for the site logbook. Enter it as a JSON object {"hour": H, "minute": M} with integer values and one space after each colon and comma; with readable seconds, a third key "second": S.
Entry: {"hour": 6, "minute": 53}
